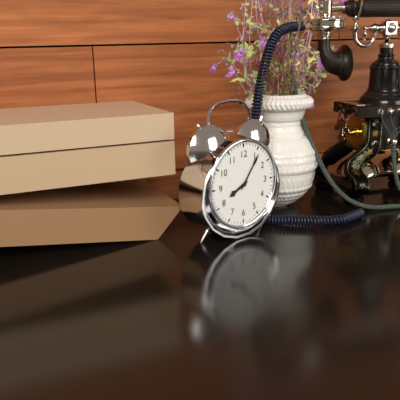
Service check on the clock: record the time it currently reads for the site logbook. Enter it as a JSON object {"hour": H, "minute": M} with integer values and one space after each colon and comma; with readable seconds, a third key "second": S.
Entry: {"hour": 8, "minute": 6}
